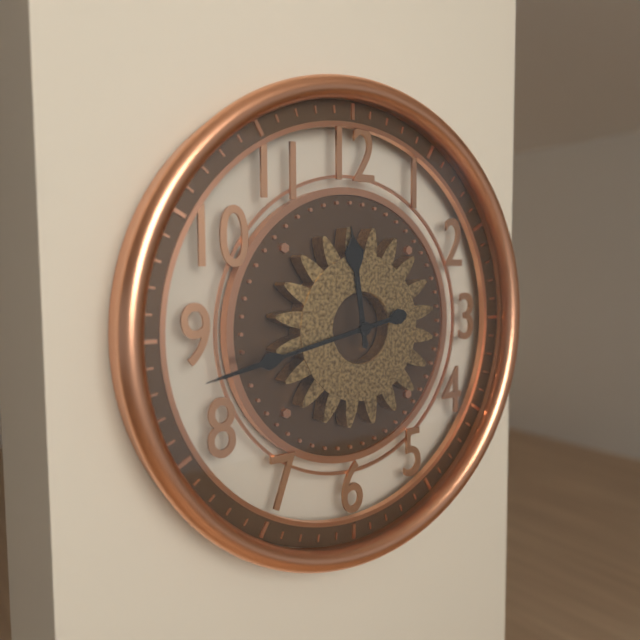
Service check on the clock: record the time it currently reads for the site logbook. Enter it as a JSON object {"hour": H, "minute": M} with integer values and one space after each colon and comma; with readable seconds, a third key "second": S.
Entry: {"hour": 11, "minute": 43}
